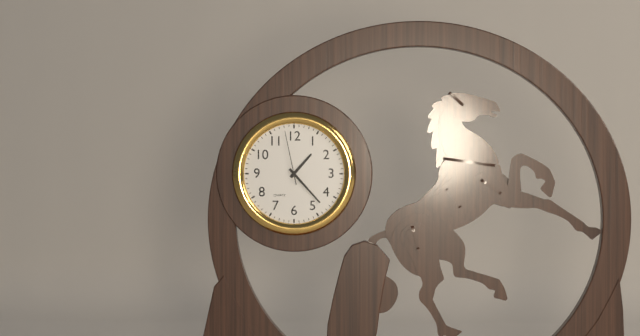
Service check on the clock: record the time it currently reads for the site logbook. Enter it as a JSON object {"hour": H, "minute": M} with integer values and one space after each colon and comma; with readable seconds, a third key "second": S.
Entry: {"hour": 1, "minute": 23, "second": 58}
